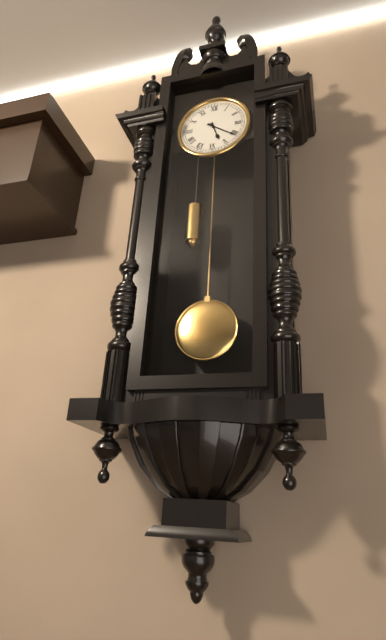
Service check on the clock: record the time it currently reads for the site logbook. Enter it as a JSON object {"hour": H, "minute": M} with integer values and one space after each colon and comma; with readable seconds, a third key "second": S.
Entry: {"hour": 5, "minute": 21}
